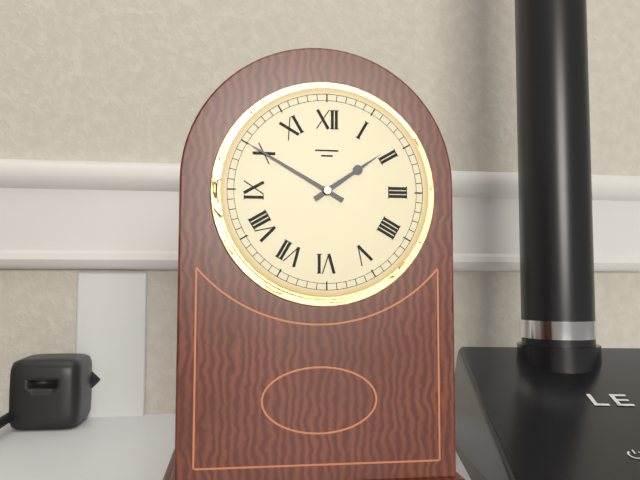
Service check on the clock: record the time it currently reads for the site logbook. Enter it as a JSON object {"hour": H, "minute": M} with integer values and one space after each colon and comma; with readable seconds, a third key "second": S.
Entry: {"hour": 1, "minute": 50}
